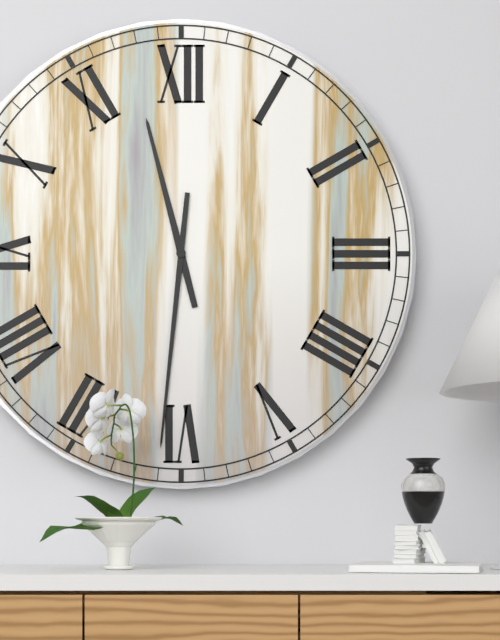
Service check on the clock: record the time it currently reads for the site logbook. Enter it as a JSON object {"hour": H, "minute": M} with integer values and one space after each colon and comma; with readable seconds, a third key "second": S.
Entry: {"hour": 11, "minute": 31}
